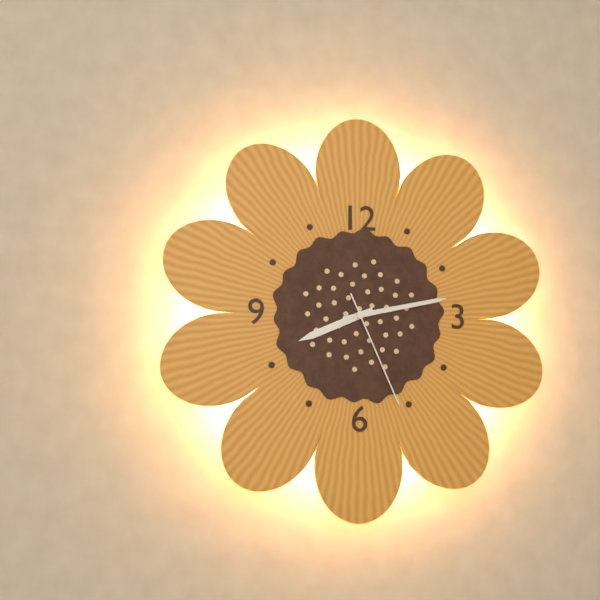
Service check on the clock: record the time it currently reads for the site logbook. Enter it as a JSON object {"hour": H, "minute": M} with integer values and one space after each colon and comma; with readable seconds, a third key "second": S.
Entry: {"hour": 8, "minute": 13, "second": 26}
